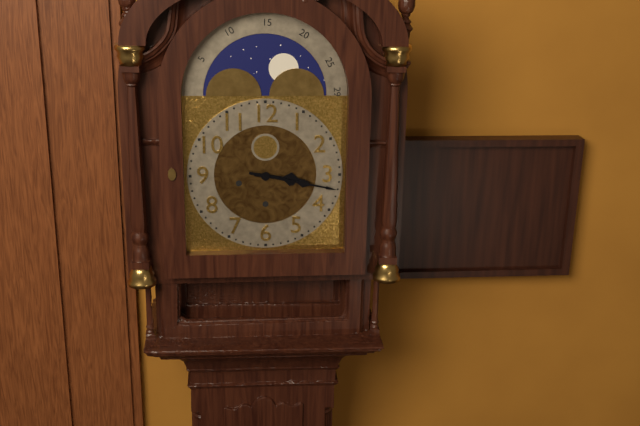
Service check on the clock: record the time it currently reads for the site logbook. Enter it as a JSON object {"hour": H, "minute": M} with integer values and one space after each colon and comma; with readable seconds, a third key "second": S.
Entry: {"hour": 3, "minute": 17}
